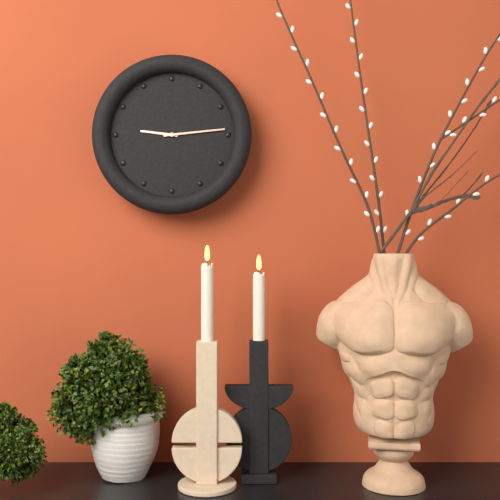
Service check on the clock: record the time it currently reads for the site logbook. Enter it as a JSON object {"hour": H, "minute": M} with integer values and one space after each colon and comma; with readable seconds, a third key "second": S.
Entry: {"hour": 9, "minute": 14}
